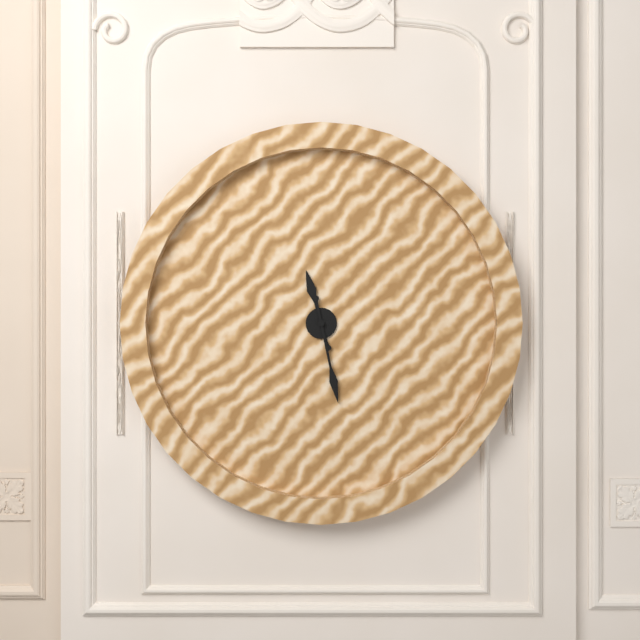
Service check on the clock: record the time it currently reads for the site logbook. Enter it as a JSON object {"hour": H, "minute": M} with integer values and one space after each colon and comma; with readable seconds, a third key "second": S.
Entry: {"hour": 11, "minute": 28}
